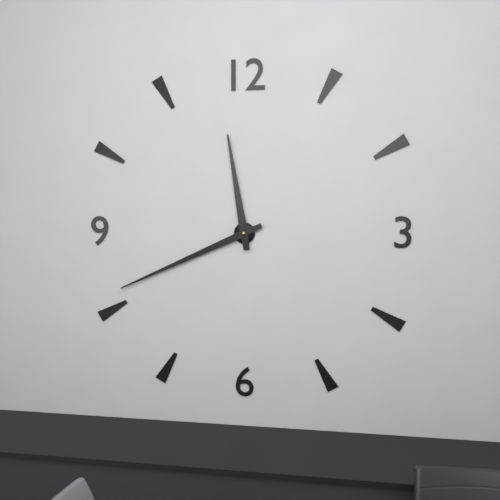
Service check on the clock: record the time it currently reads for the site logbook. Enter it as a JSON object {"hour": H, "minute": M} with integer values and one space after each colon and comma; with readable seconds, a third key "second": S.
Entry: {"hour": 11, "minute": 41}
